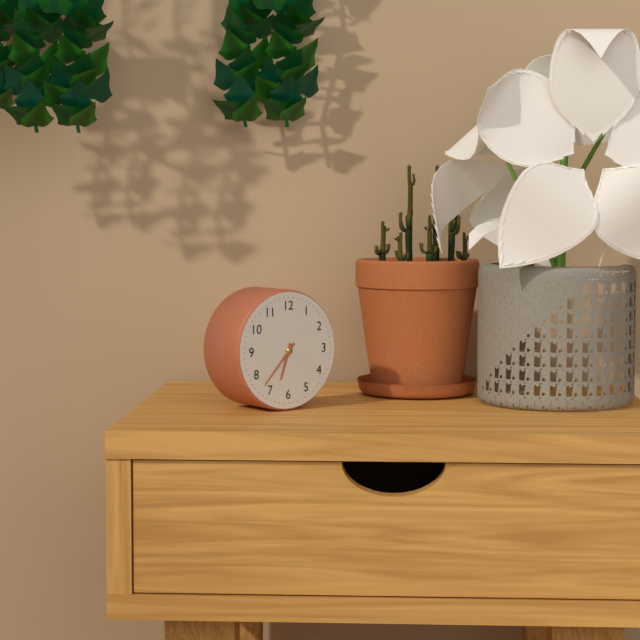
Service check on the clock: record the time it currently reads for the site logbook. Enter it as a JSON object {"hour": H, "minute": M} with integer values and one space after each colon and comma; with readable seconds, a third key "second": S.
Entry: {"hour": 6, "minute": 37}
